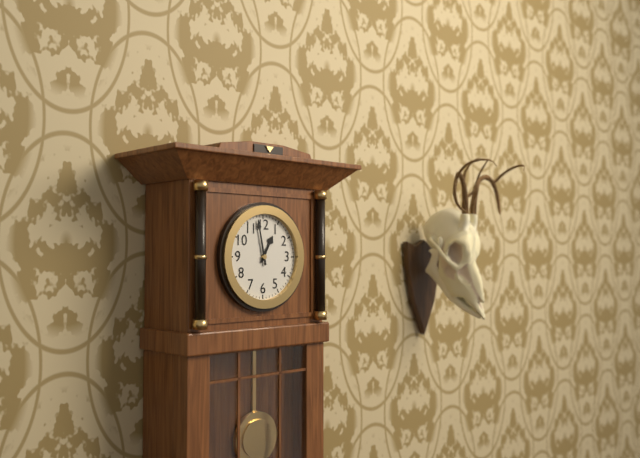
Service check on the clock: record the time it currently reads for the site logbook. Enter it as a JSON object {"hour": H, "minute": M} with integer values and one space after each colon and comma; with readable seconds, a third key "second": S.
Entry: {"hour": 12, "minute": 58}
